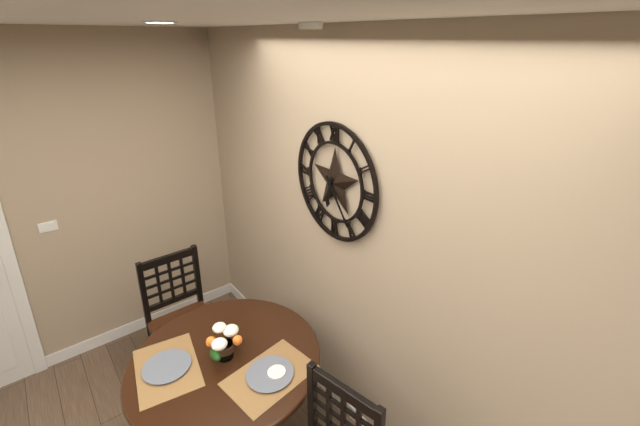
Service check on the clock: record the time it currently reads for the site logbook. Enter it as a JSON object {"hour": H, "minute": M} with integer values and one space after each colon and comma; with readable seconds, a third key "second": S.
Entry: {"hour": 6, "minute": 24}
